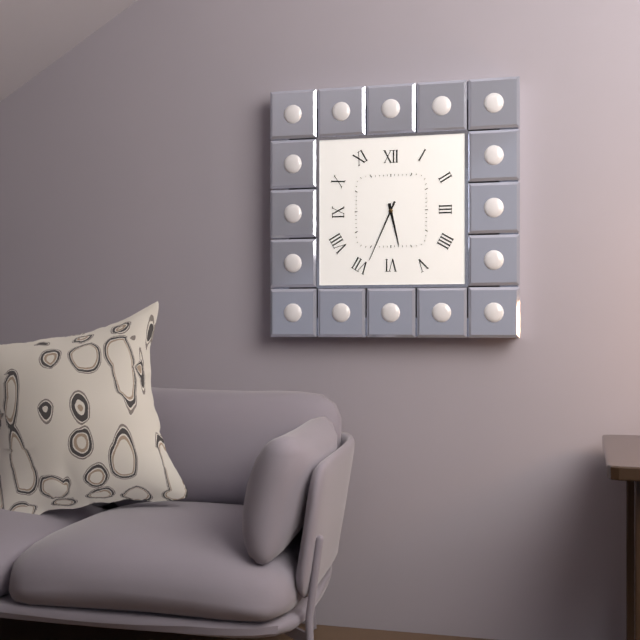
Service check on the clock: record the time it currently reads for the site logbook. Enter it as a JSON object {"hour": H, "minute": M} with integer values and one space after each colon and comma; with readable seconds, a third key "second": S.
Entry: {"hour": 5, "minute": 34}
